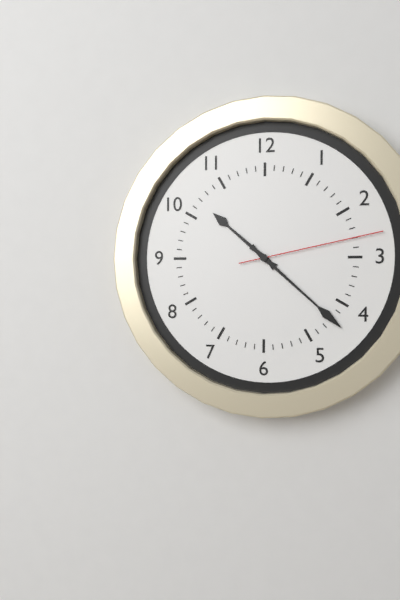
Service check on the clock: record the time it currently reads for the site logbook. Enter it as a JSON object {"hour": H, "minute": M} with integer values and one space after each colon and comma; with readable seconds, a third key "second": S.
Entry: {"hour": 10, "minute": 22, "second": 13}
